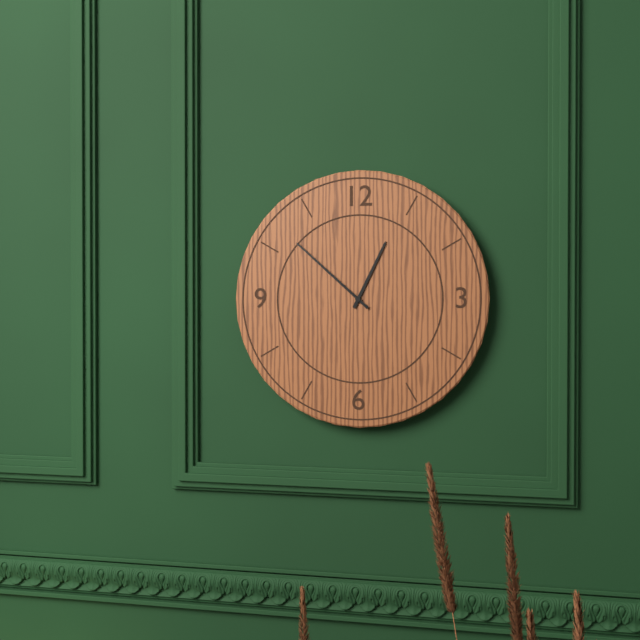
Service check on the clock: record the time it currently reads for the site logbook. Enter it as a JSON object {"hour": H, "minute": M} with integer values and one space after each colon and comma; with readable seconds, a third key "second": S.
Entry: {"hour": 12, "minute": 52}
